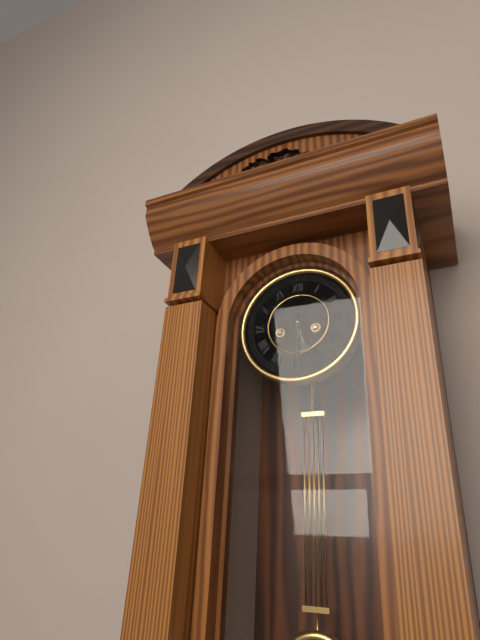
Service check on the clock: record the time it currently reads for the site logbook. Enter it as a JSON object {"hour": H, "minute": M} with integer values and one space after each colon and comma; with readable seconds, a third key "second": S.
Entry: {"hour": 5, "minute": 30}
